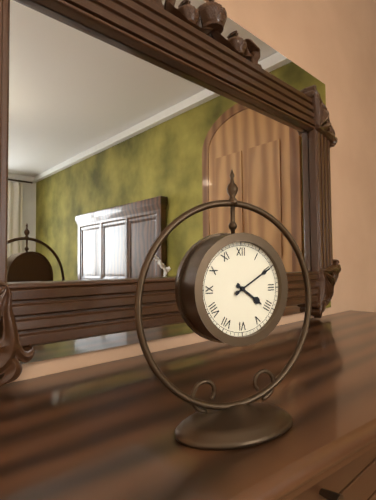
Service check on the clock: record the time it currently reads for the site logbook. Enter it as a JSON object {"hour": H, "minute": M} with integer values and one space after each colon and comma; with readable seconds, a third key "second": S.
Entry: {"hour": 4, "minute": 10}
